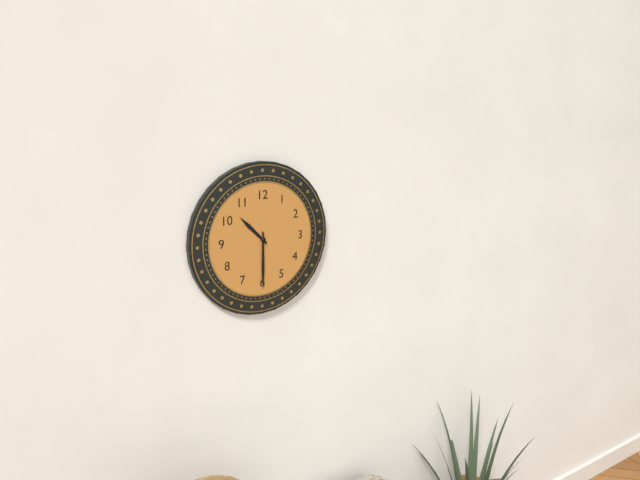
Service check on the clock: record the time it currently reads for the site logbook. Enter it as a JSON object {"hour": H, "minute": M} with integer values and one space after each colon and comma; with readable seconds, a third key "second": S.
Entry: {"hour": 10, "minute": 30}
